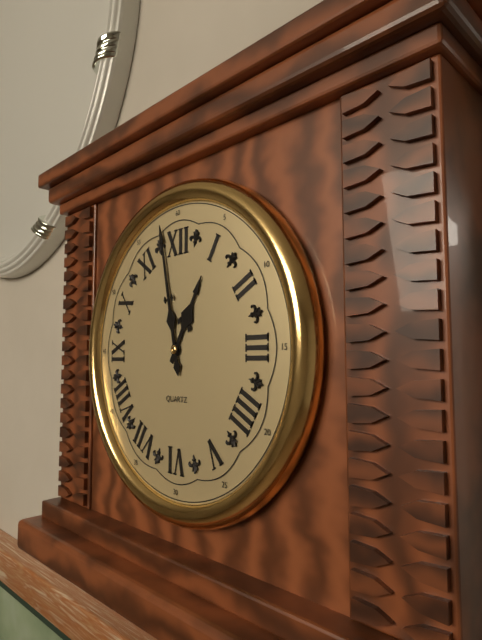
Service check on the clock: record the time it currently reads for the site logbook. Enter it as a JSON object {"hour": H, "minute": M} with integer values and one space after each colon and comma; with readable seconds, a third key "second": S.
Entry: {"hour": 12, "minute": 58}
